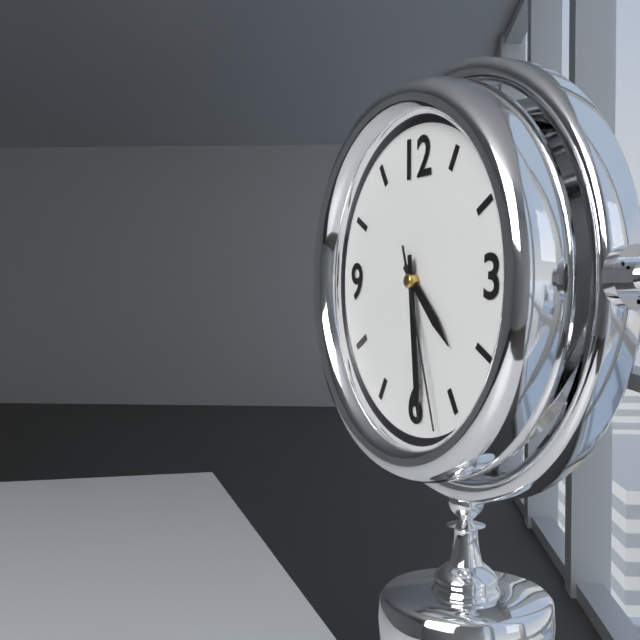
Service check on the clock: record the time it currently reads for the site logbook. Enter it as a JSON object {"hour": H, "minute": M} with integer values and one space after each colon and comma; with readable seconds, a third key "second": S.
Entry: {"hour": 4, "minute": 29, "second": 27}
